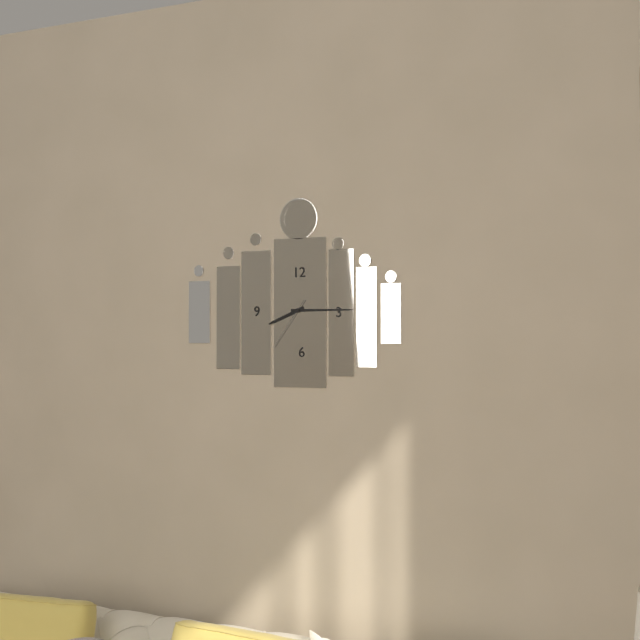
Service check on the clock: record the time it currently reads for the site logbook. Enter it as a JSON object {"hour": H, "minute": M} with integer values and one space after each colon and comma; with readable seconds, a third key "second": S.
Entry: {"hour": 8, "minute": 15, "second": 36}
